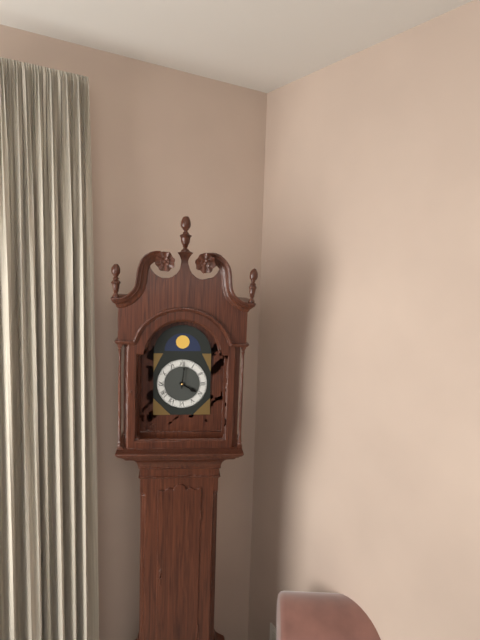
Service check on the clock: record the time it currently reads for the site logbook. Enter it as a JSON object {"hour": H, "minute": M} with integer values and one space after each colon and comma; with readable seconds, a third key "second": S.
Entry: {"hour": 4, "minute": 1}
